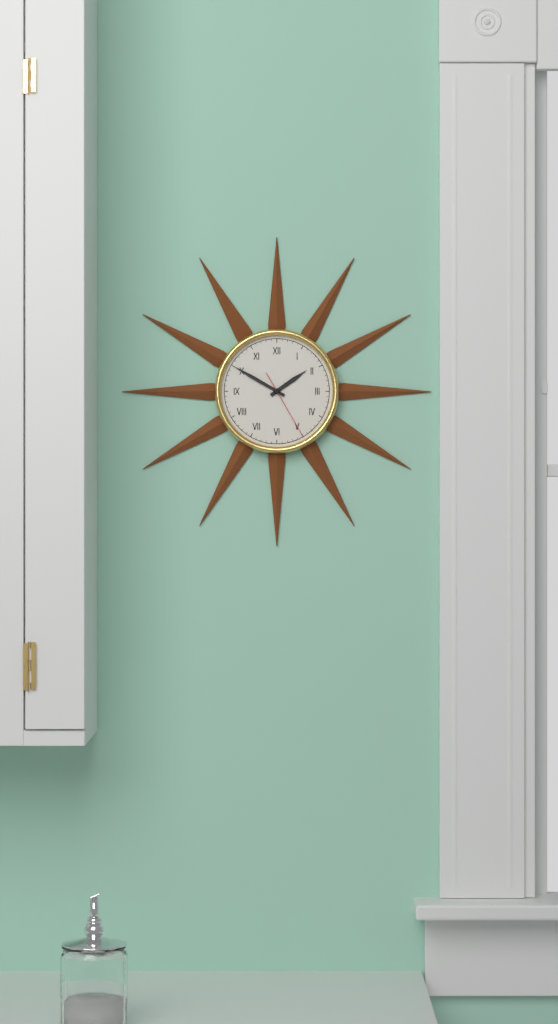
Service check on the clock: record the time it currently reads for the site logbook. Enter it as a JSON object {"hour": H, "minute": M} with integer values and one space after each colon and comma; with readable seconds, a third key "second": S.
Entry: {"hour": 1, "minute": 50, "second": 25}
